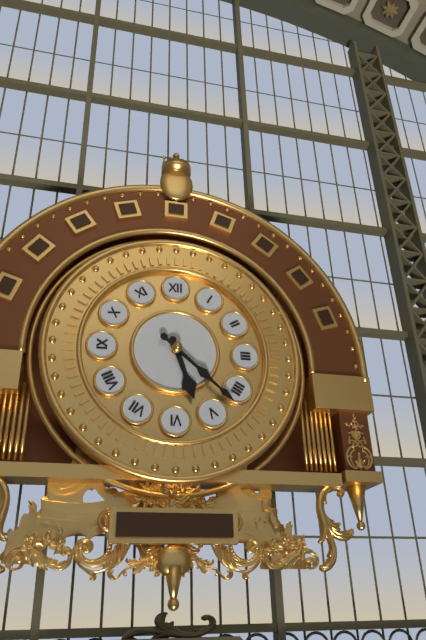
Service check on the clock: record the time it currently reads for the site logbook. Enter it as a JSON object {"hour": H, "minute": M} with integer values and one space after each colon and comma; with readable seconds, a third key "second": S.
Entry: {"hour": 5, "minute": 22}
